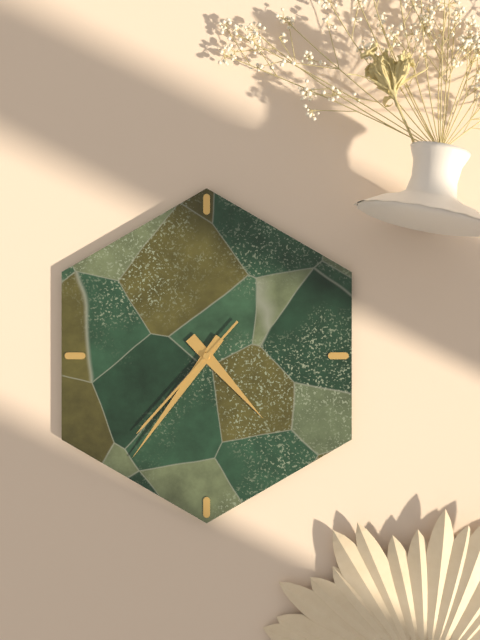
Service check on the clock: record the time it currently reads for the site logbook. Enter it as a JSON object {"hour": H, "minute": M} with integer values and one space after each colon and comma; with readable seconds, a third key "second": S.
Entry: {"hour": 4, "minute": 36, "second": 37}
